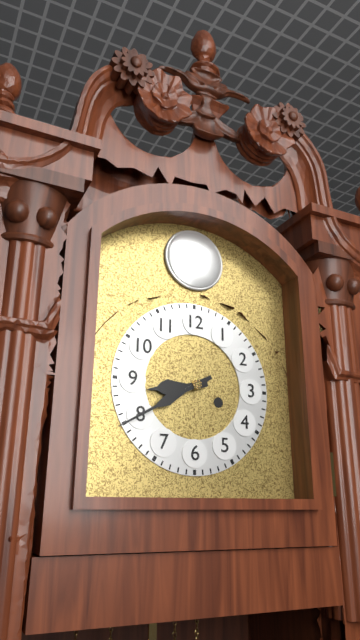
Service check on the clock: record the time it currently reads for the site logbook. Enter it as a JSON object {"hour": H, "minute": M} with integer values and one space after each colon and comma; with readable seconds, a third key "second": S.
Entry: {"hour": 8, "minute": 40}
